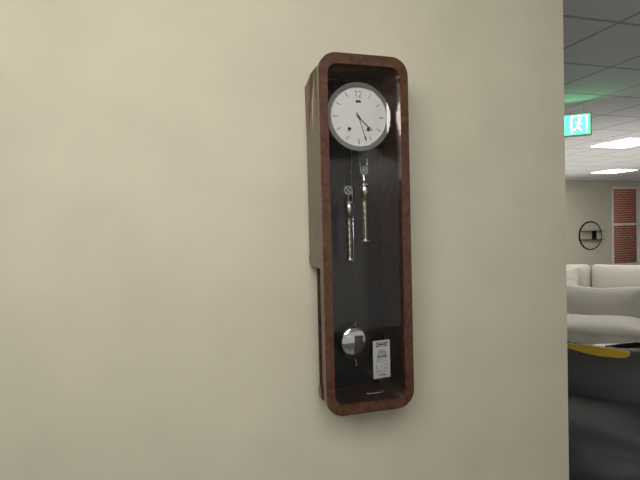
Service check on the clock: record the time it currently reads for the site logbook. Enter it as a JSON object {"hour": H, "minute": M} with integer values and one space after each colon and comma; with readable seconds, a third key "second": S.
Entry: {"hour": 4, "minute": 27}
